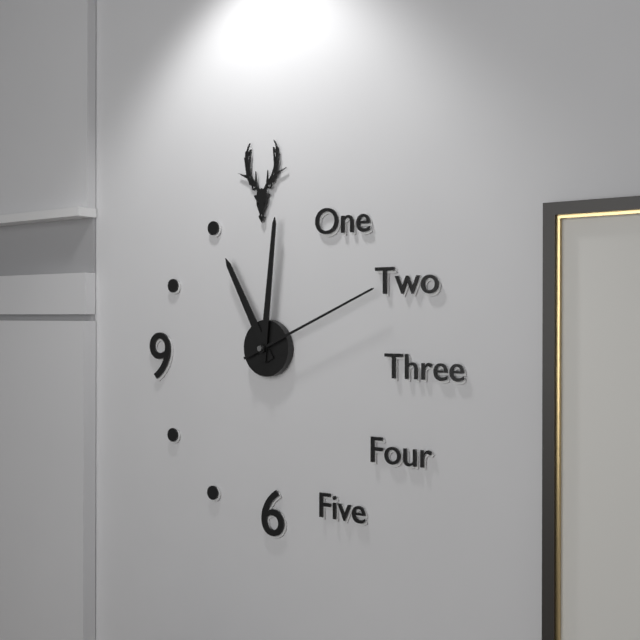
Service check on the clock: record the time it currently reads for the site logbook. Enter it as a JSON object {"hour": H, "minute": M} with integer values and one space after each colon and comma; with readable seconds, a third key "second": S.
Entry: {"hour": 11, "minute": 1, "second": 11}
